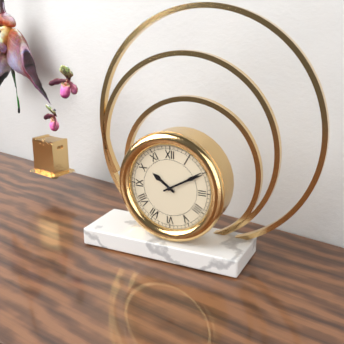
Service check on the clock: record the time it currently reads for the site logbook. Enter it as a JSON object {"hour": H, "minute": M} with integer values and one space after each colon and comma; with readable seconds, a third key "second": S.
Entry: {"hour": 10, "minute": 10}
